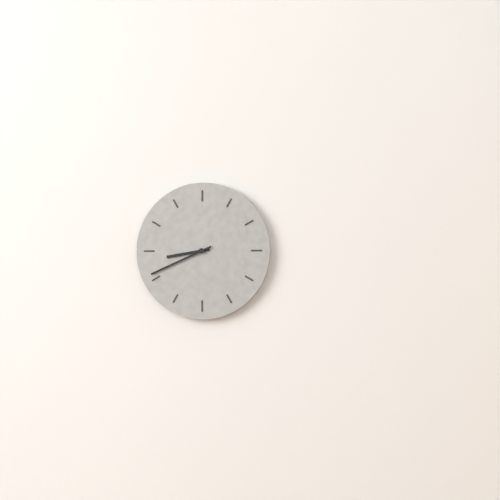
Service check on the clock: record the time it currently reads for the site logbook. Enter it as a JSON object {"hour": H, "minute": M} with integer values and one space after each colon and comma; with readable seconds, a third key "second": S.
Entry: {"hour": 8, "minute": 41}
